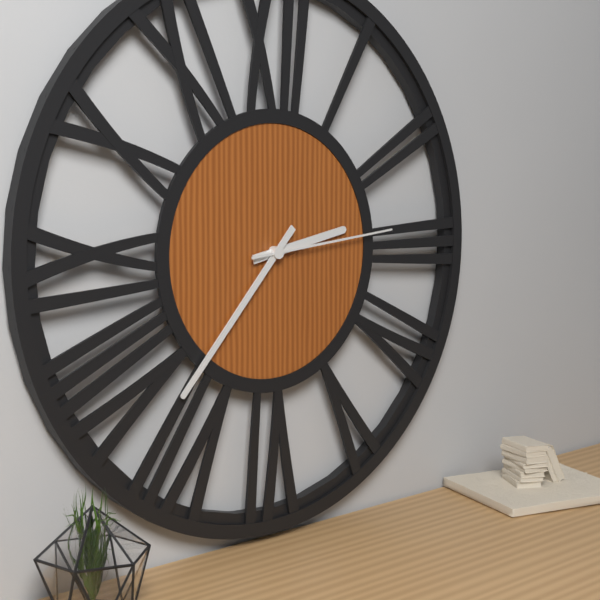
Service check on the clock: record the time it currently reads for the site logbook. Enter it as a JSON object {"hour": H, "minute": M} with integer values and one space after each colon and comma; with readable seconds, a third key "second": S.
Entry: {"hour": 2, "minute": 37, "second": 14}
